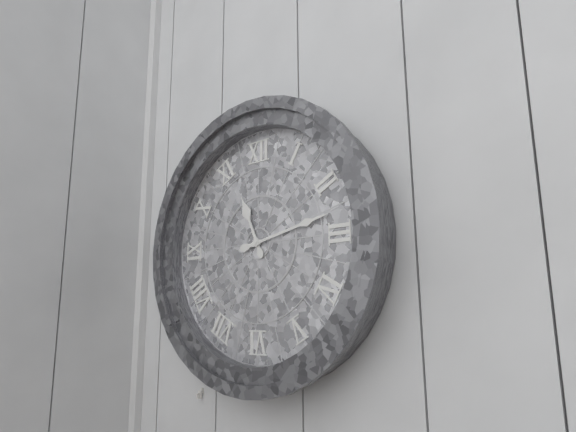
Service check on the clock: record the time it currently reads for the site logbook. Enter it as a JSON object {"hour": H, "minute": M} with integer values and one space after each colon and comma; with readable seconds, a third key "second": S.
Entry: {"hour": 11, "minute": 13}
